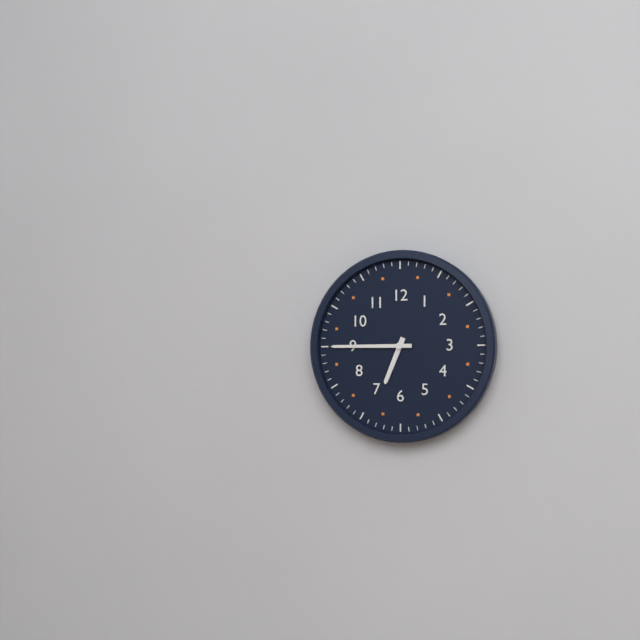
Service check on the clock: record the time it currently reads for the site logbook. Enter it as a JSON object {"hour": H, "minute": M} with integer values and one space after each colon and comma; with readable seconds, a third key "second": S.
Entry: {"hour": 6, "minute": 45}
